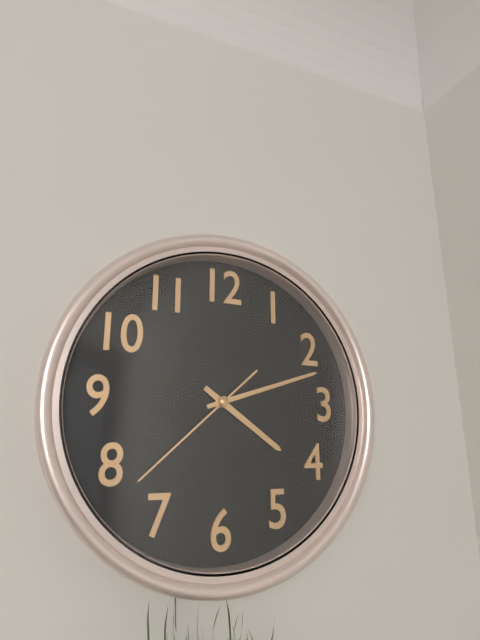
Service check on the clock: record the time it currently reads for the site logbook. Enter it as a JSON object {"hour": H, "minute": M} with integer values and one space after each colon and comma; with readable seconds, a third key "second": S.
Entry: {"hour": 4, "minute": 12, "second": 38}
